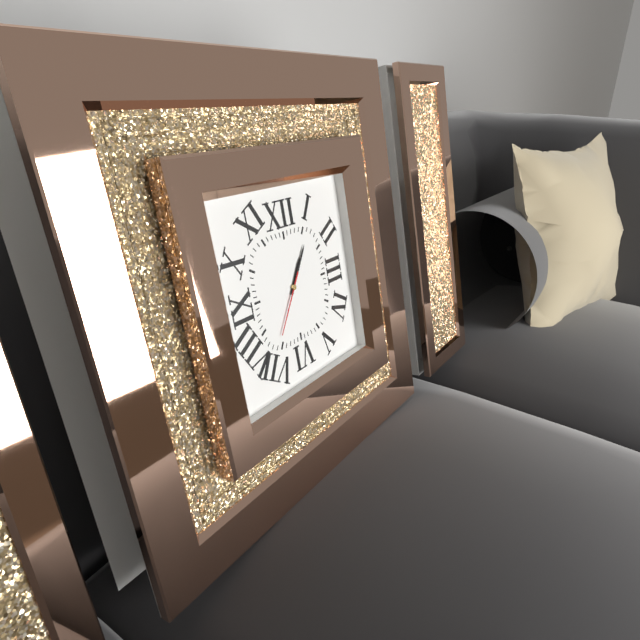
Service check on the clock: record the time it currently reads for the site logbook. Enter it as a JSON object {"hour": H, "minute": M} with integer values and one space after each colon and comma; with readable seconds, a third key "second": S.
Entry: {"hour": 1, "minute": 6, "second": 36}
